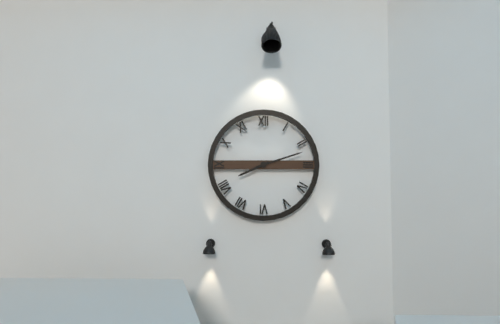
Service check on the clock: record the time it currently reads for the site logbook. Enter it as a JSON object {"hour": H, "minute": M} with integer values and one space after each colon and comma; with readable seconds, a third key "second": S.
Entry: {"hour": 8, "minute": 12}
